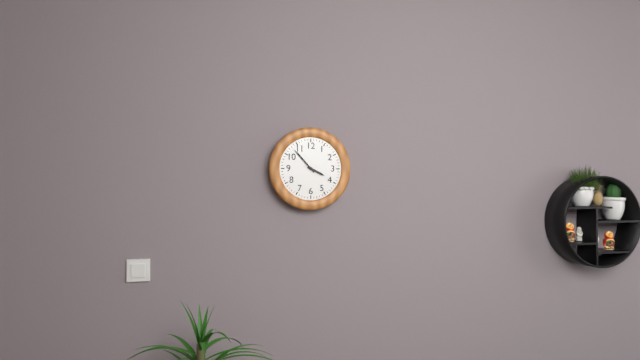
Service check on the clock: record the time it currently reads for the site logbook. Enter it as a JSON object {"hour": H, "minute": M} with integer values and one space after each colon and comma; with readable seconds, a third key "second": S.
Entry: {"hour": 3, "minute": 53}
